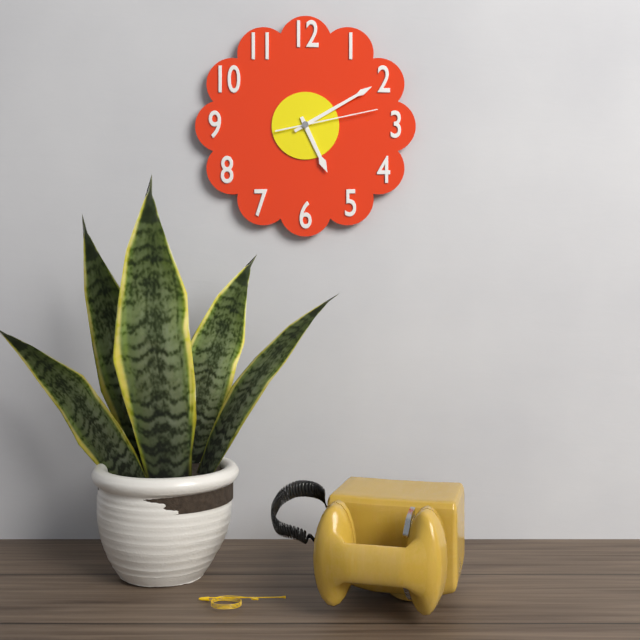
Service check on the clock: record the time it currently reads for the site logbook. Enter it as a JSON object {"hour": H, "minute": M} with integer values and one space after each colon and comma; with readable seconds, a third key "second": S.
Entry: {"hour": 5, "minute": 10, "second": 13}
